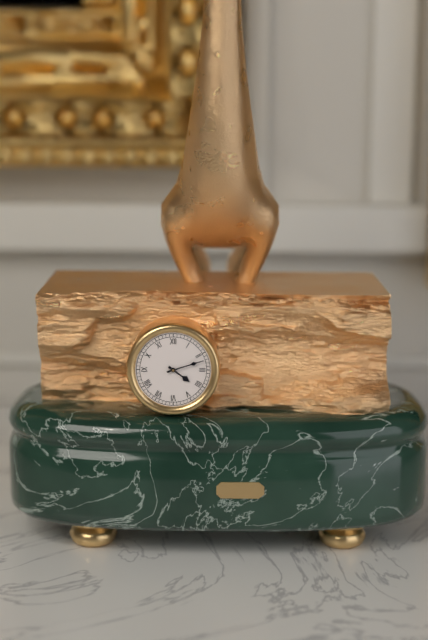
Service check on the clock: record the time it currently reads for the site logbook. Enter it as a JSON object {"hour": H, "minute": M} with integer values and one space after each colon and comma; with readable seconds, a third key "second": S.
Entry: {"hour": 4, "minute": 12}
